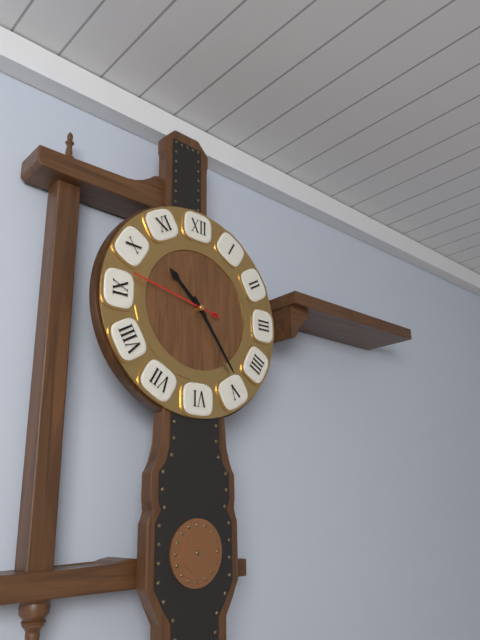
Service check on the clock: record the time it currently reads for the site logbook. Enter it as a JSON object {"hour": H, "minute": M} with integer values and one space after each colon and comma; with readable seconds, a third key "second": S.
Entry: {"hour": 10, "minute": 24, "second": 47}
